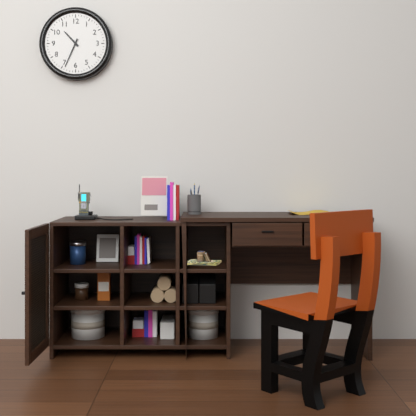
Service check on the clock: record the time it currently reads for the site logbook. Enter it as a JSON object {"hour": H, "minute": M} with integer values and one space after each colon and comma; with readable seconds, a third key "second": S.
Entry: {"hour": 10, "minute": 34}
